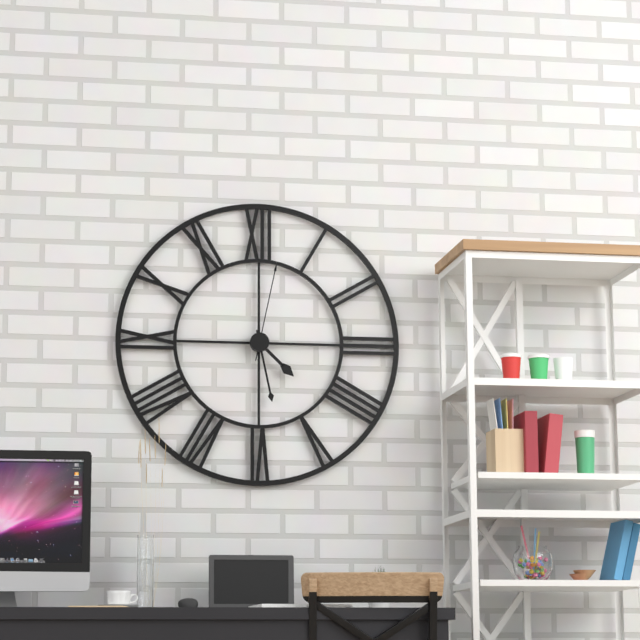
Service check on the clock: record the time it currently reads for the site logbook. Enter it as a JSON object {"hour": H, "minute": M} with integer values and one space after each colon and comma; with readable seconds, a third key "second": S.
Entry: {"hour": 4, "minute": 28, "second": 2}
